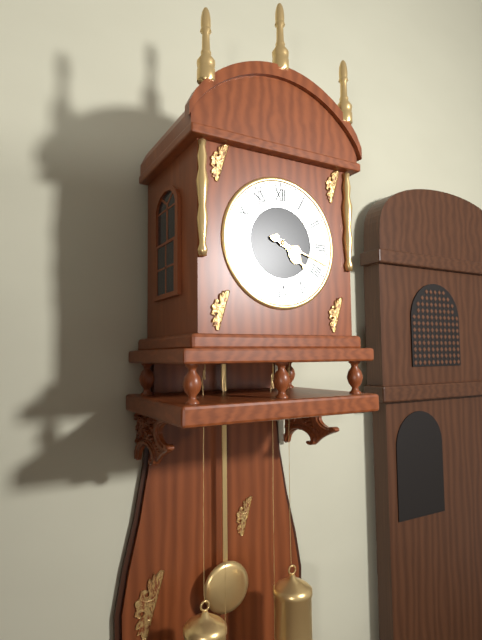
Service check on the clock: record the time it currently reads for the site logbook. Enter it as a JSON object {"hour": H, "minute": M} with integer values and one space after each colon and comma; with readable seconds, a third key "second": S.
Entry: {"hour": 4, "minute": 18}
